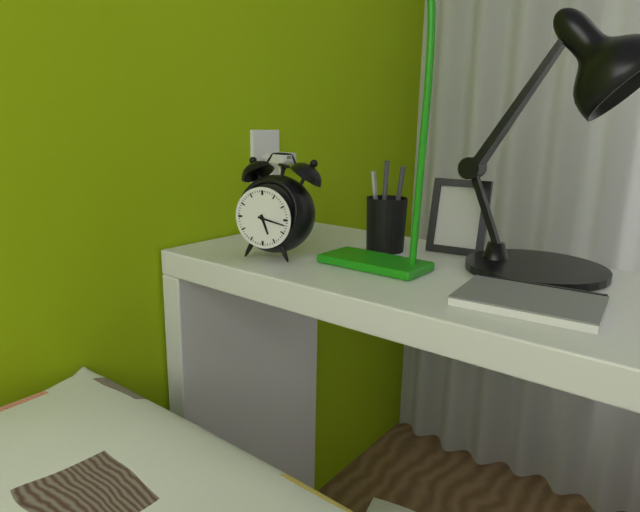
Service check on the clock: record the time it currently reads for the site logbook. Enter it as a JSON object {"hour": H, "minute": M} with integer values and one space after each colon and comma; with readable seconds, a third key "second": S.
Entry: {"hour": 5, "minute": 17}
